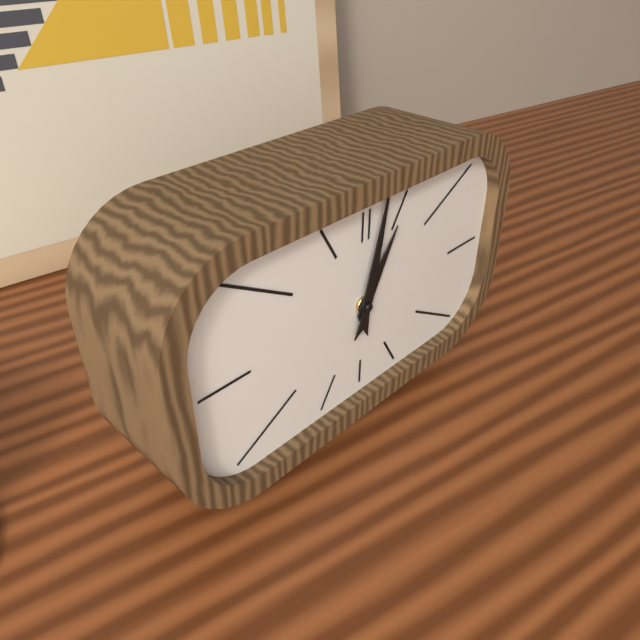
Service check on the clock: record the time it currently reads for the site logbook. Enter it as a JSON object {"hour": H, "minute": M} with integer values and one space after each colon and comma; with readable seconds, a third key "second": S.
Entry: {"hour": 1, "minute": 2}
